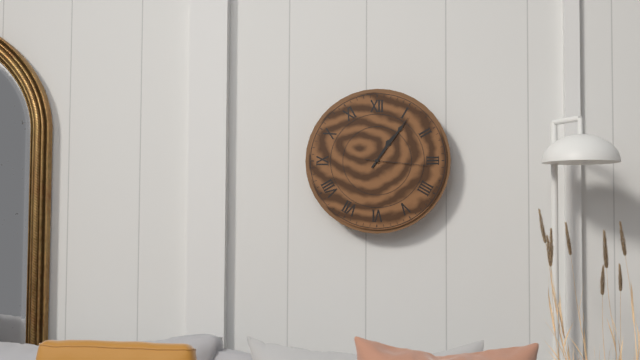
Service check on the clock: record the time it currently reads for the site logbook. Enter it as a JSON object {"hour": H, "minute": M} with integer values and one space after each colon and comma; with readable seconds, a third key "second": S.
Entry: {"hour": 1, "minute": 6, "second": 16}
